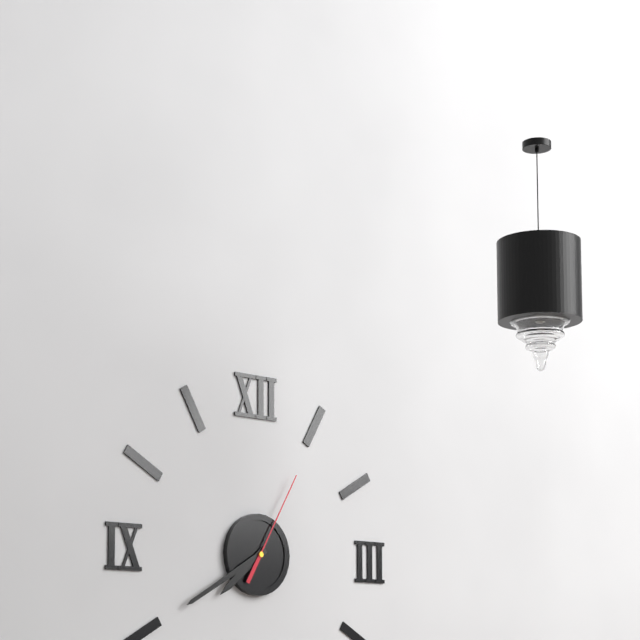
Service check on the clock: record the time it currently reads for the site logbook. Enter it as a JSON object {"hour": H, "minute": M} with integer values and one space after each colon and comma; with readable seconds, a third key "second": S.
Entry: {"hour": 7, "minute": 40, "second": 5}
